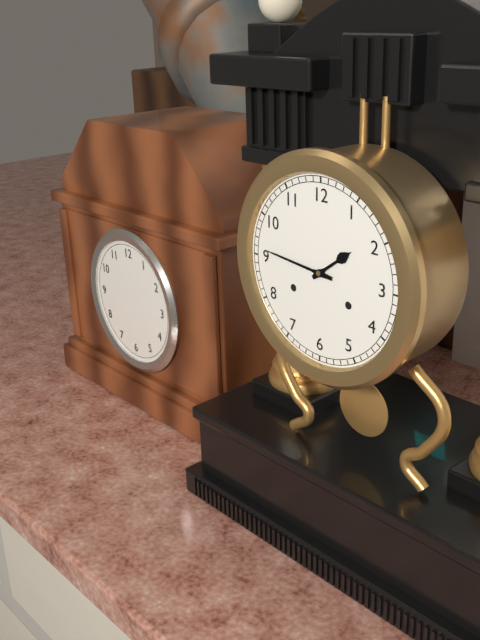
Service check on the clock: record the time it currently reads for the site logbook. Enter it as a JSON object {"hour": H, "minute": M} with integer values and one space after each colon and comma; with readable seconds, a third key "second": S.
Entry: {"hour": 1, "minute": 46}
